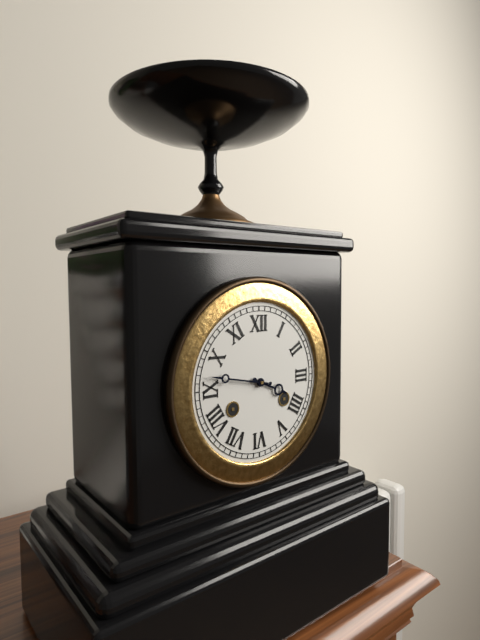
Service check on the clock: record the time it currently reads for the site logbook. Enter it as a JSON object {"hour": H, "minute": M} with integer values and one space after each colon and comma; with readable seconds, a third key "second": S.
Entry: {"hour": 3, "minute": 47}
